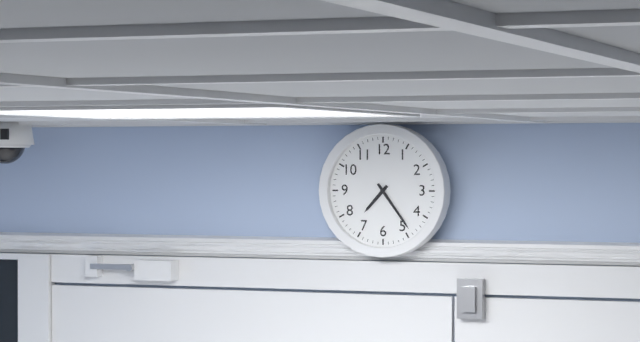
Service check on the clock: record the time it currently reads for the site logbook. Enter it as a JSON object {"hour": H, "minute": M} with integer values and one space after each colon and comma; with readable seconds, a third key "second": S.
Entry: {"hour": 7, "minute": 24}
